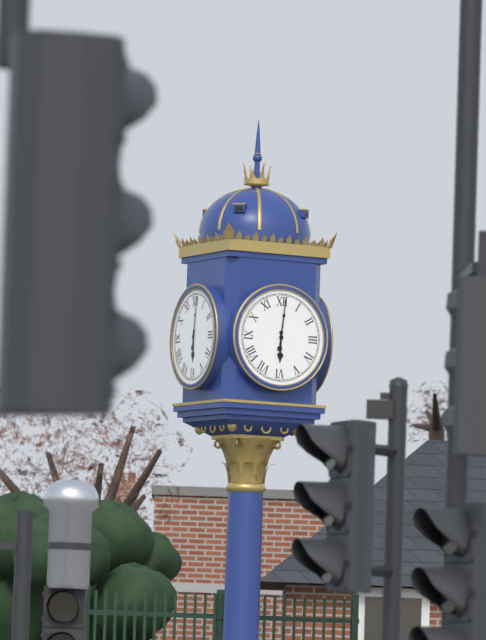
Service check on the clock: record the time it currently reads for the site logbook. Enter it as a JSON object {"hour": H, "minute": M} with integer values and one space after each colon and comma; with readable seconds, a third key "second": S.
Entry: {"hour": 6, "minute": 1}
